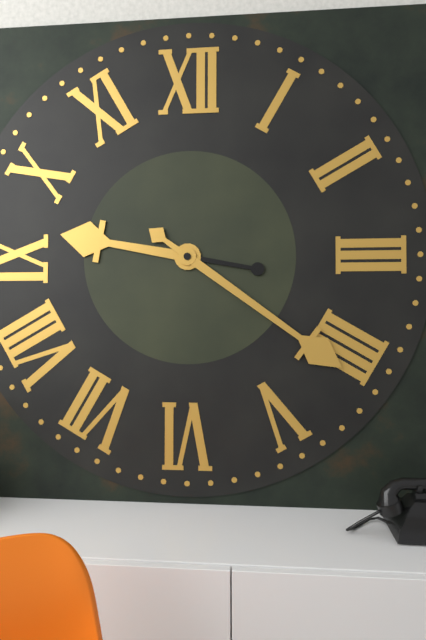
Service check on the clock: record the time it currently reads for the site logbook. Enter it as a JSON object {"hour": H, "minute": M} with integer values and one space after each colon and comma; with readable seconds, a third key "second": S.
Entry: {"hour": 9, "minute": 21}
